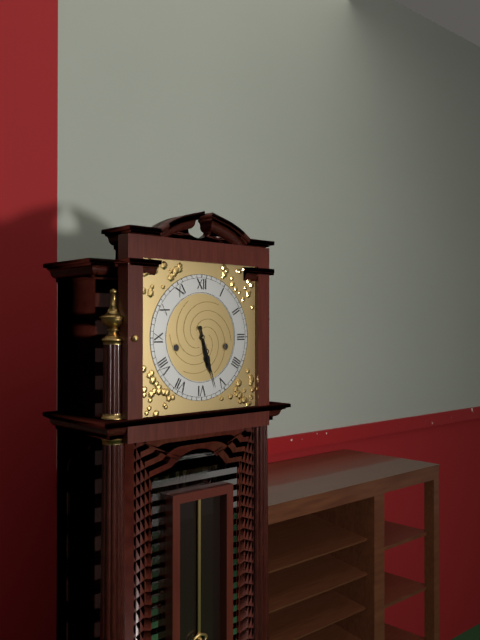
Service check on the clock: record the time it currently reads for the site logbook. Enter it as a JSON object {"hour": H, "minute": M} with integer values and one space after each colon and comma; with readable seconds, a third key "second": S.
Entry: {"hour": 5, "minute": 27}
